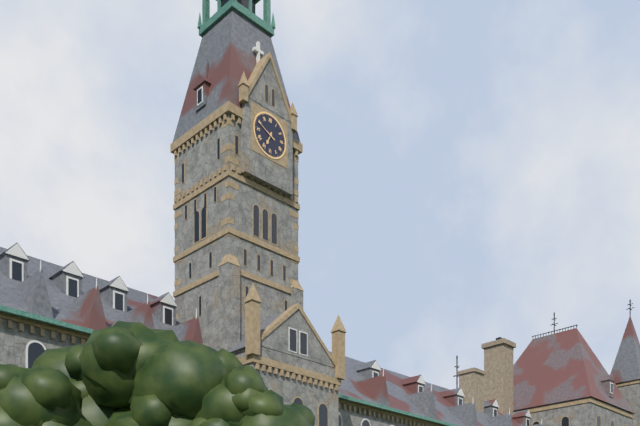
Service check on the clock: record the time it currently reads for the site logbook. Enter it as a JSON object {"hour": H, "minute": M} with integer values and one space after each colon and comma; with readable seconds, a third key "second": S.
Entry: {"hour": 6, "minute": 49}
